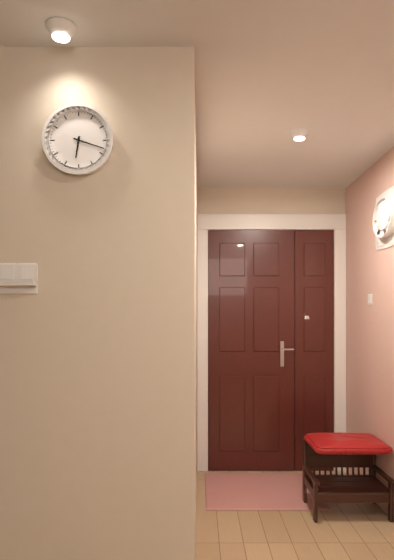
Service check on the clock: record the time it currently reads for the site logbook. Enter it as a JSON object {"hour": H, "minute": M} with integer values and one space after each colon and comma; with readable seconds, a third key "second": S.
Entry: {"hour": 6, "minute": 18}
